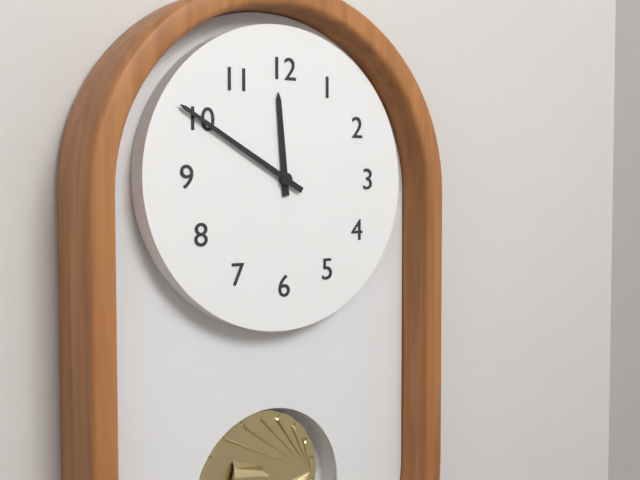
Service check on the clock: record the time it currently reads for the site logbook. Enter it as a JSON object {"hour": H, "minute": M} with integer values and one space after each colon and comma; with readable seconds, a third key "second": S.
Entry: {"hour": 11, "minute": 50}
